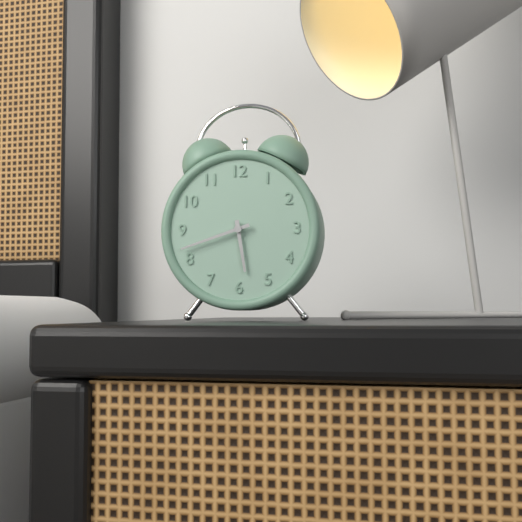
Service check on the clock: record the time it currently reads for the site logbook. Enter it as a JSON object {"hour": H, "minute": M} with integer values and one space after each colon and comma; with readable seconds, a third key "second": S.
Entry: {"hour": 5, "minute": 42}
